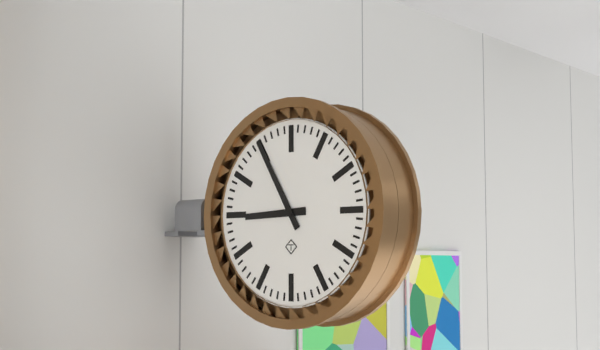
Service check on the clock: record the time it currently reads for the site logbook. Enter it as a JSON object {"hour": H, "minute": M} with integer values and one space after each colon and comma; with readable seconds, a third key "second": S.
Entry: {"hour": 8, "minute": 55}
